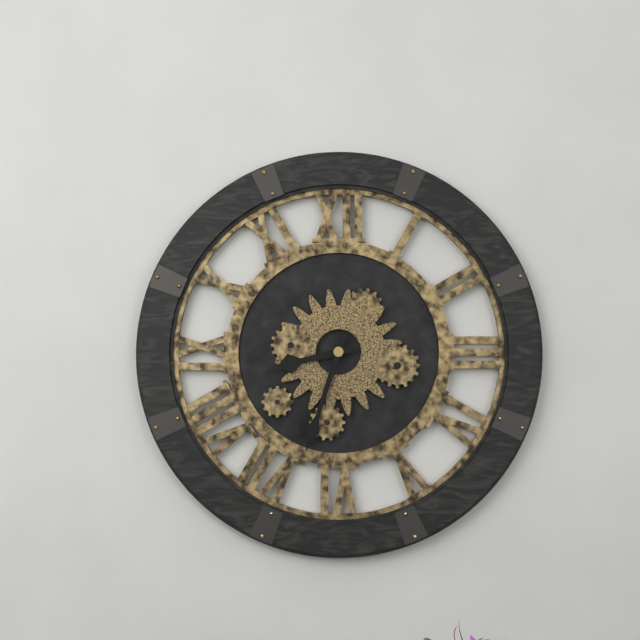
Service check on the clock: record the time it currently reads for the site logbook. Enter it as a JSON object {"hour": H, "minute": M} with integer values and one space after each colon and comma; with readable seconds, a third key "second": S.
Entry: {"hour": 8, "minute": 33}
